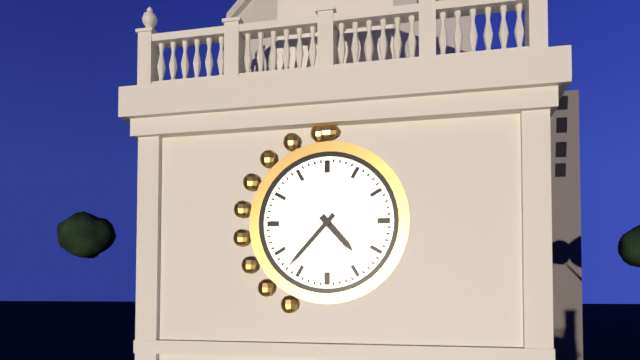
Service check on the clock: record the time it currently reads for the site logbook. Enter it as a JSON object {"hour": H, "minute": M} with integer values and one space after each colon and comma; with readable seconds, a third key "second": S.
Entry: {"hour": 4, "minute": 37}
